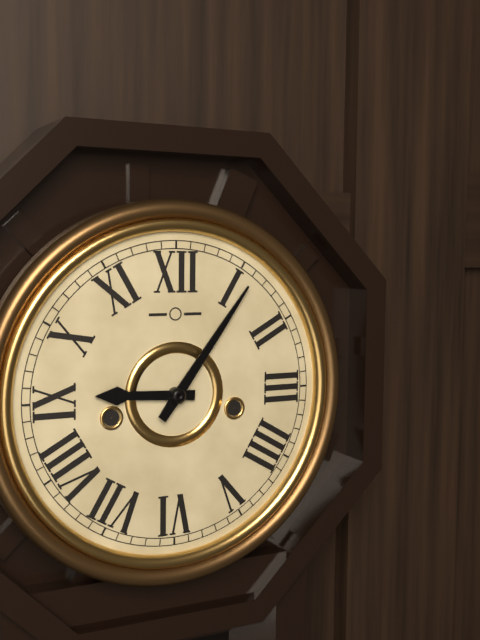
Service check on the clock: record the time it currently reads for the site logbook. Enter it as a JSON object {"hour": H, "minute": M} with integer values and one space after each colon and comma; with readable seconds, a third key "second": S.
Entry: {"hour": 9, "minute": 6}
